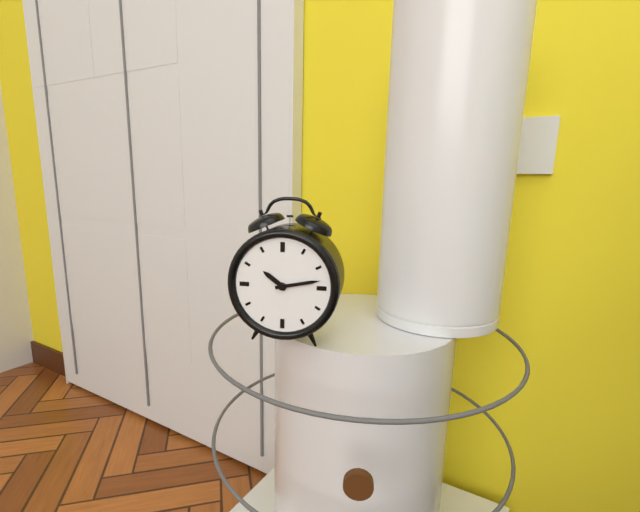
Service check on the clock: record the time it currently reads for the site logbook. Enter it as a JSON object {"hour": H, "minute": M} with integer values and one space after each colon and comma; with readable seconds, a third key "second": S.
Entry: {"hour": 10, "minute": 13}
